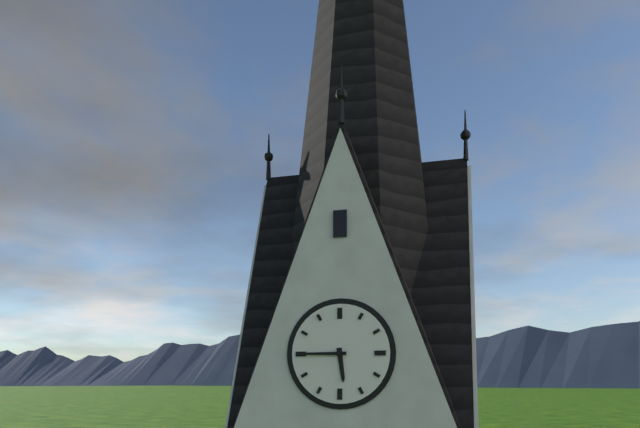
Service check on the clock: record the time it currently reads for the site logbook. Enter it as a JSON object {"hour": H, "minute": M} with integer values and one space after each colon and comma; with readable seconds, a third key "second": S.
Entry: {"hour": 5, "minute": 45}
